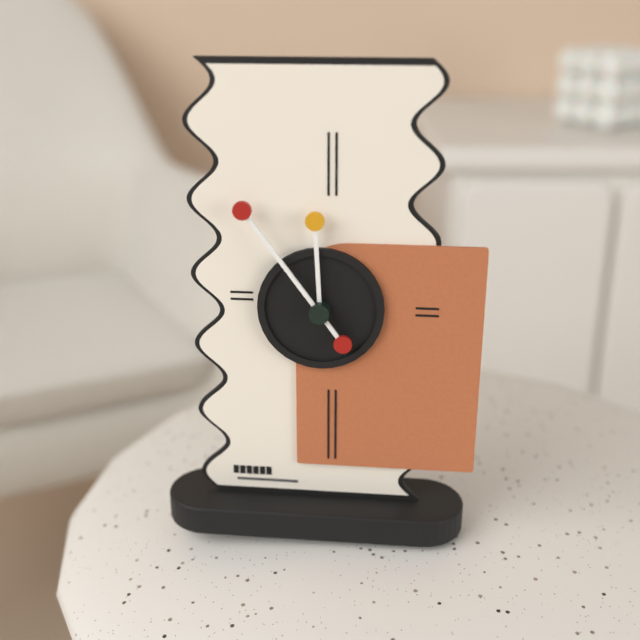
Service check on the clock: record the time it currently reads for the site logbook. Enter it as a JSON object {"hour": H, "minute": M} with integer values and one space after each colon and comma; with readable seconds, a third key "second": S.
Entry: {"hour": 11, "minute": 54}
